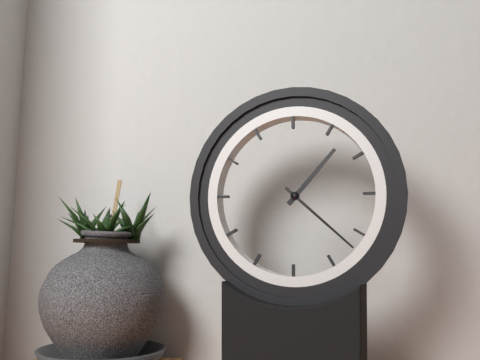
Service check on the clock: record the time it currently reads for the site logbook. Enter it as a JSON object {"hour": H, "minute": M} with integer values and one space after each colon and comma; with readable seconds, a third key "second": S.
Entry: {"hour": 1, "minute": 22}
